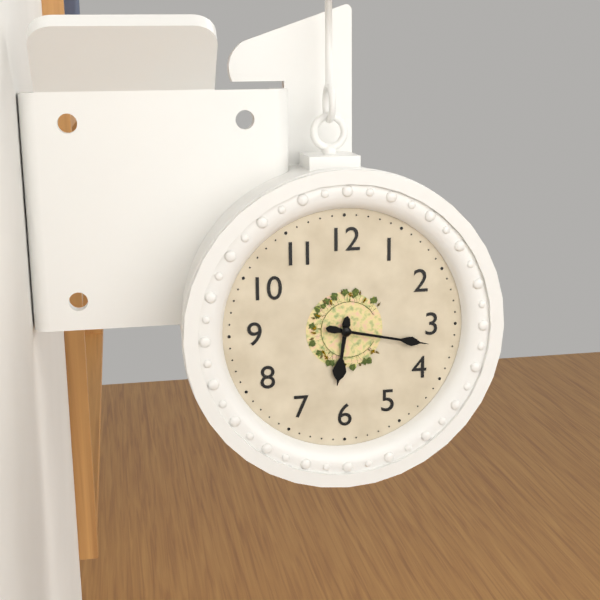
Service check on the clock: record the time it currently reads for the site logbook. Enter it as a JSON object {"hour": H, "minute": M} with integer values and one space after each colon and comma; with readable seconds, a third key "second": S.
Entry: {"hour": 6, "minute": 17}
